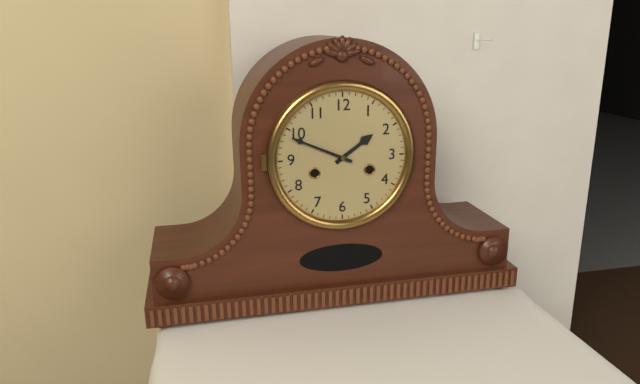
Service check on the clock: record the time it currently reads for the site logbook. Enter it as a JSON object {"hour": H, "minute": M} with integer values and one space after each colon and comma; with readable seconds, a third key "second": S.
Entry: {"hour": 1, "minute": 49}
